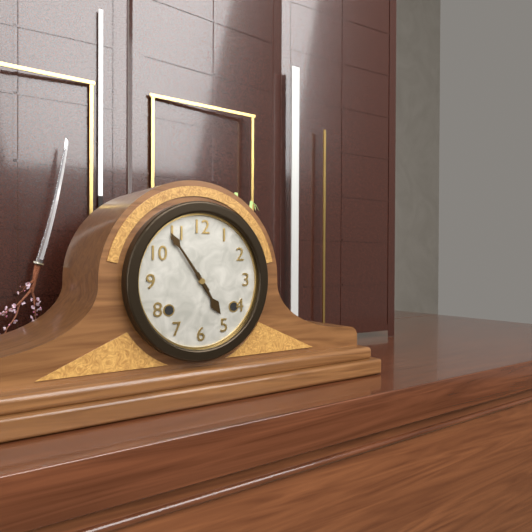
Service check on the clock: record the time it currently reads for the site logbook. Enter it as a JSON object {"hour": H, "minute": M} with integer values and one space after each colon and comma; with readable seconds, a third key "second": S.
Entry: {"hour": 4, "minute": 54}
